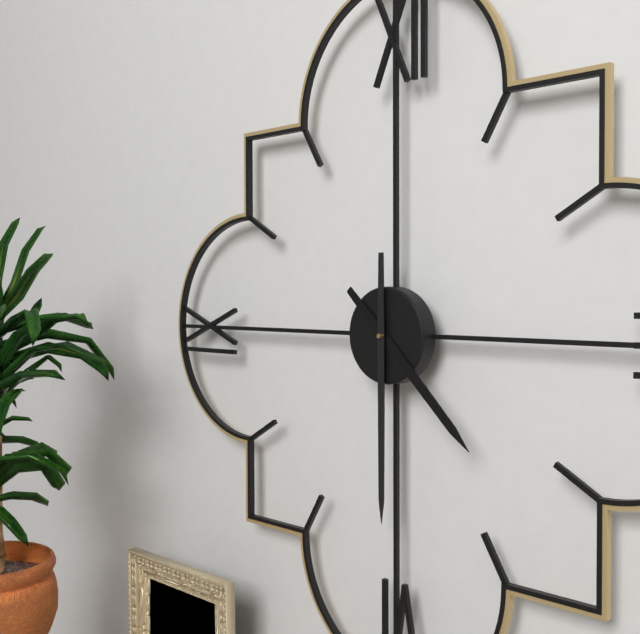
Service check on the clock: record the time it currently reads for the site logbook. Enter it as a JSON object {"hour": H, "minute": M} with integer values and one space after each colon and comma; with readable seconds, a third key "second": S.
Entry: {"hour": 4, "minute": 30}
